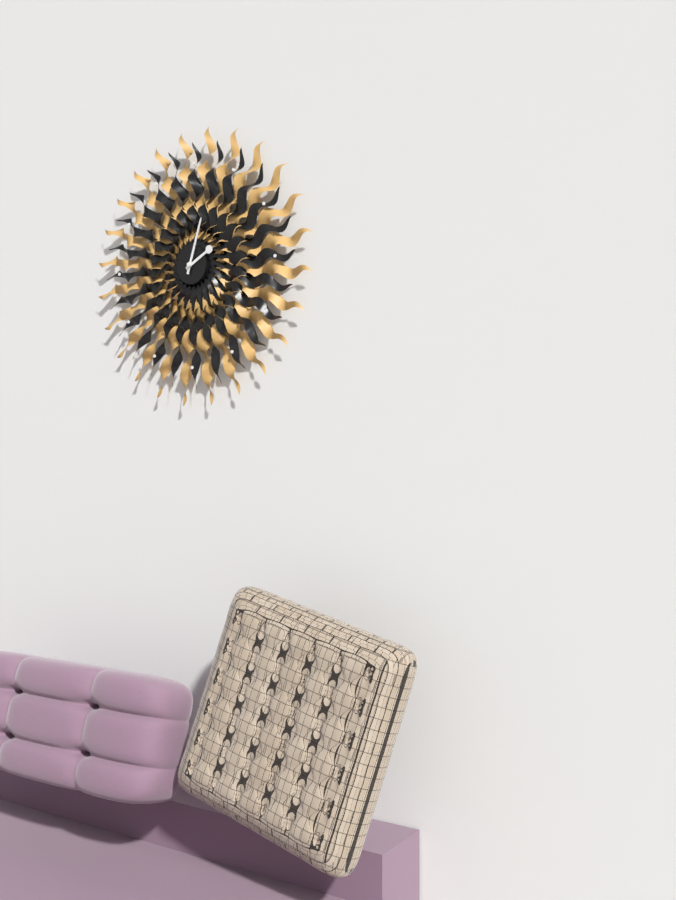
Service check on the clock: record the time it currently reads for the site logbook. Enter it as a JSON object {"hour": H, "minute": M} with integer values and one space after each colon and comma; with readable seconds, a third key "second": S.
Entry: {"hour": 2, "minute": 3}
